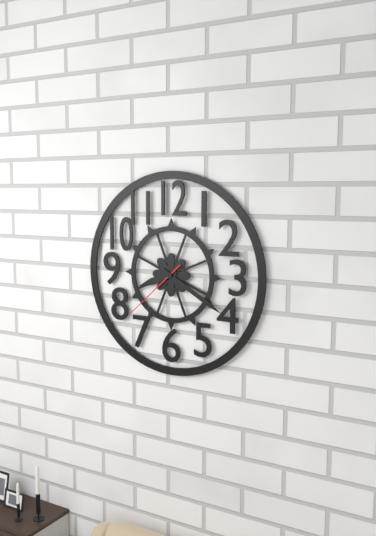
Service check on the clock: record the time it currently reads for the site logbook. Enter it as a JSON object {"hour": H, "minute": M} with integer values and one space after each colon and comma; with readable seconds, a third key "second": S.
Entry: {"hour": 8, "minute": 20, "second": 38}
